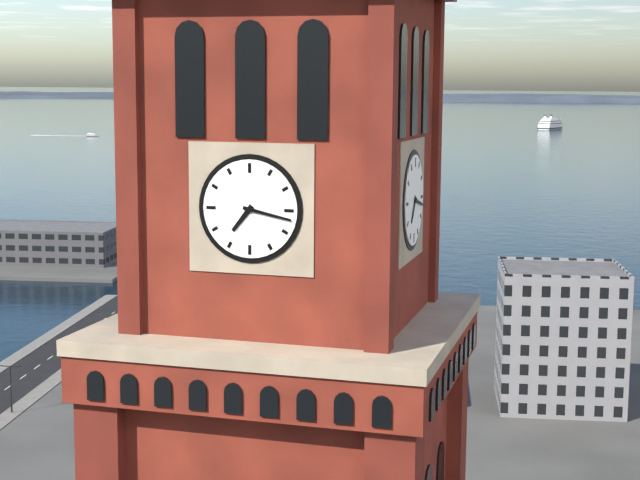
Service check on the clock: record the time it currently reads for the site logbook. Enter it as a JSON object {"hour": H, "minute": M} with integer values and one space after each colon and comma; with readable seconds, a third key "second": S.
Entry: {"hour": 7, "minute": 17}
